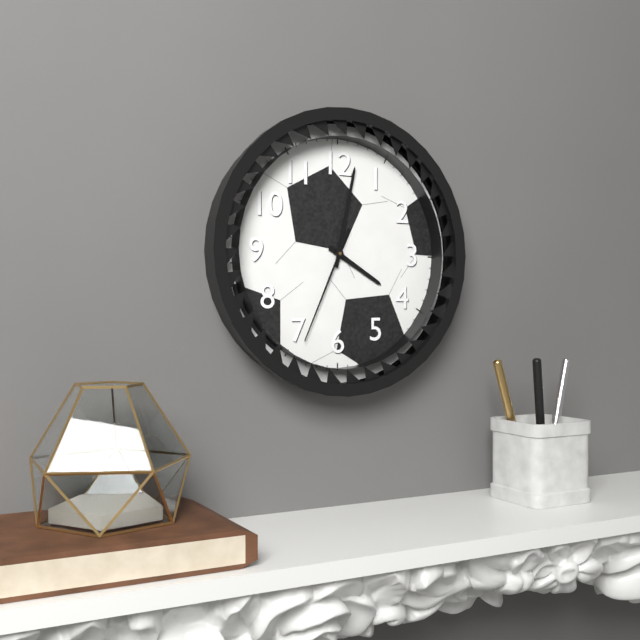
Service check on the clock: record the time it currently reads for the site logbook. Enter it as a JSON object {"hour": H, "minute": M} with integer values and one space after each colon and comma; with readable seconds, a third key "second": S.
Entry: {"hour": 4, "minute": 2, "second": 34}
